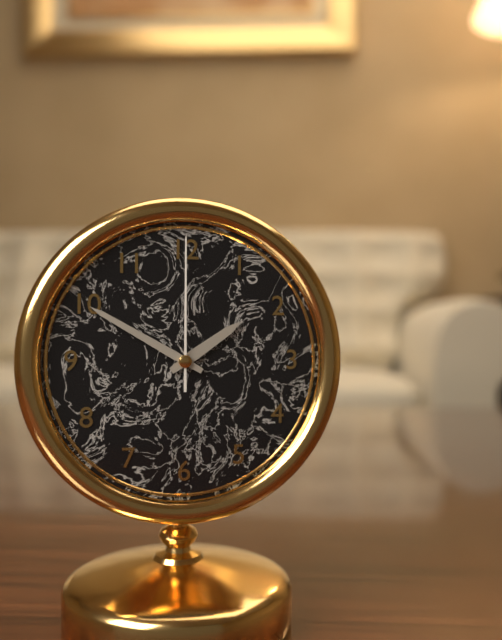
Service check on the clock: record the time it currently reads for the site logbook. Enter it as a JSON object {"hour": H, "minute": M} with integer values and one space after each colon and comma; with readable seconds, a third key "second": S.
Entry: {"hour": 1, "minute": 50, "second": 0}
